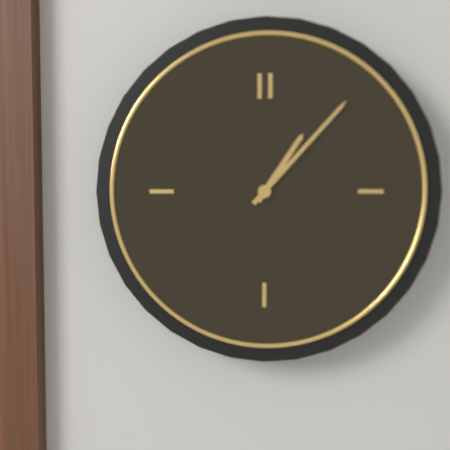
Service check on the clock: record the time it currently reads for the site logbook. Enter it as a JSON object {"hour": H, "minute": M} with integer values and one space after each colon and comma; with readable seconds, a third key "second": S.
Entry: {"hour": 1, "minute": 7}
